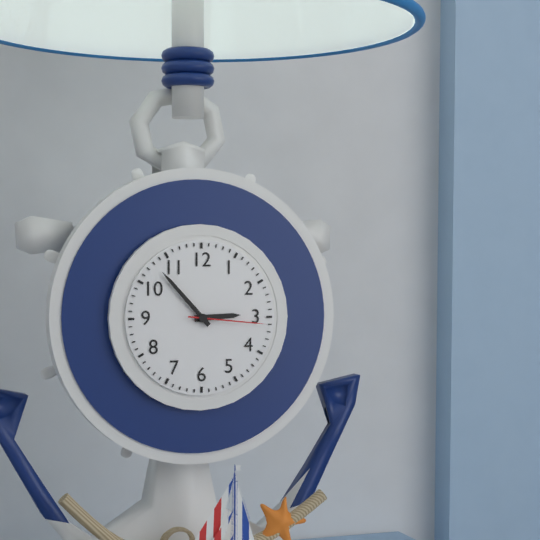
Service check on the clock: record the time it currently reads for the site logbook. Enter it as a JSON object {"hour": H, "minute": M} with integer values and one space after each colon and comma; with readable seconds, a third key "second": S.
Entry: {"hour": 2, "minute": 53, "second": 16}
